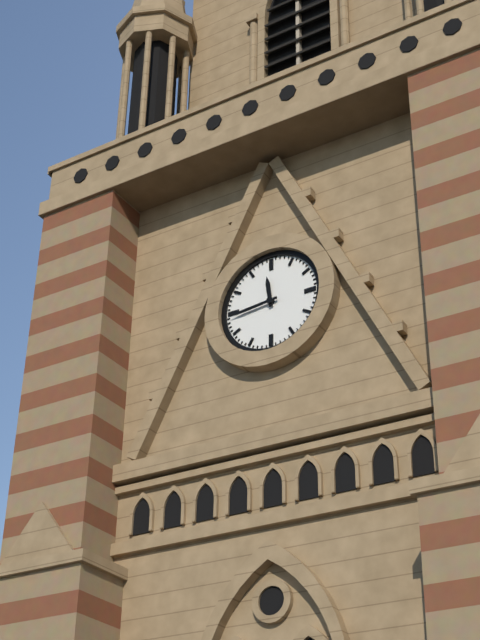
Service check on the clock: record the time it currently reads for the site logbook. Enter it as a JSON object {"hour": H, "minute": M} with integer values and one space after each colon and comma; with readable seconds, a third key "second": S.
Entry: {"hour": 11, "minute": 44}
